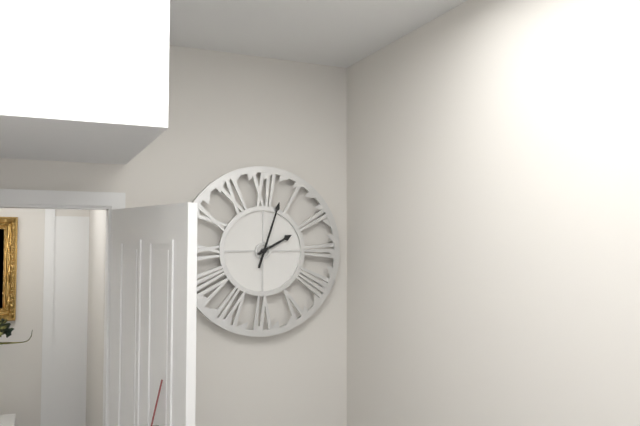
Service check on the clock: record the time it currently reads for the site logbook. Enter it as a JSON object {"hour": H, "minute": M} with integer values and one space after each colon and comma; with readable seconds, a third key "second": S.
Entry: {"hour": 2, "minute": 3}
